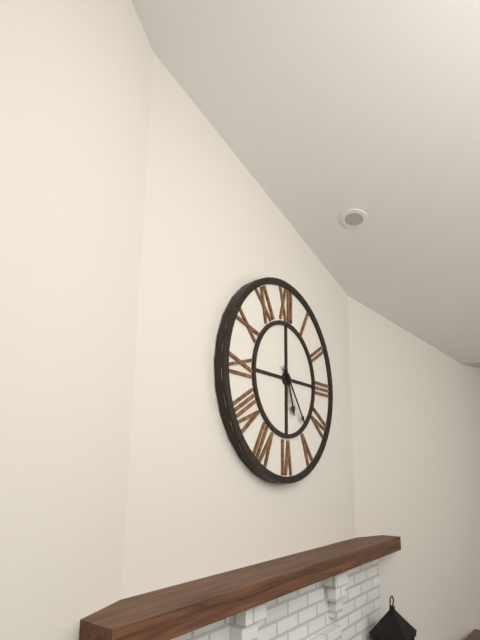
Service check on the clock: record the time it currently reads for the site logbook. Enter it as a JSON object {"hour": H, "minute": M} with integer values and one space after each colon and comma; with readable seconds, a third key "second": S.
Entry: {"hour": 5, "minute": 24}
